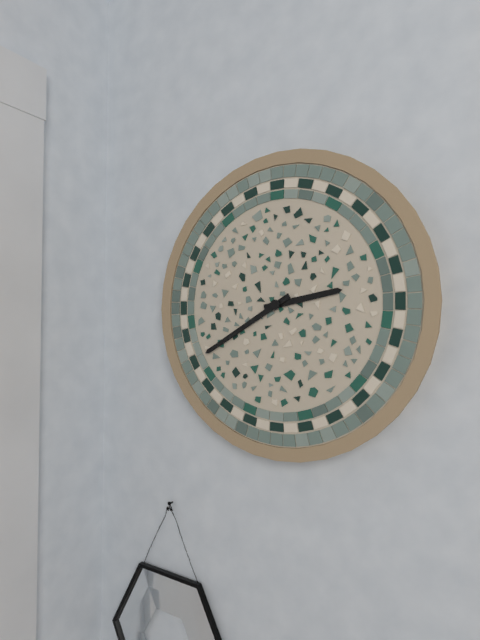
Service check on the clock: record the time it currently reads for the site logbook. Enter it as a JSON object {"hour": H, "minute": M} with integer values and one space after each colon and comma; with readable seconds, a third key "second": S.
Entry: {"hour": 2, "minute": 40}
